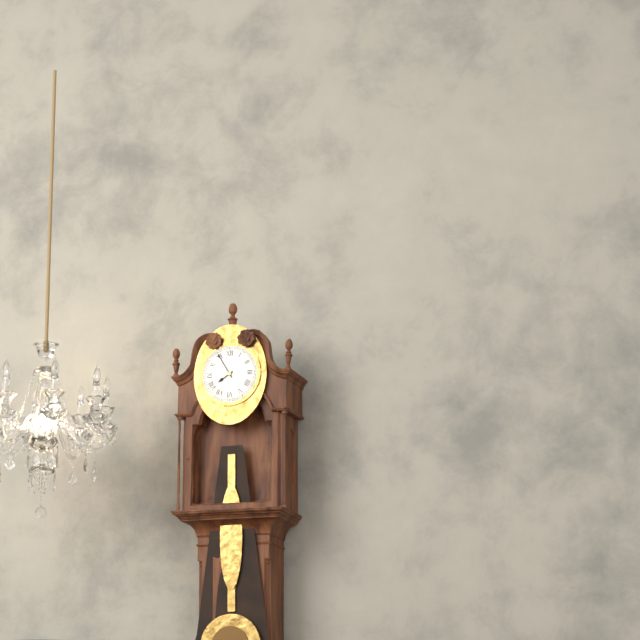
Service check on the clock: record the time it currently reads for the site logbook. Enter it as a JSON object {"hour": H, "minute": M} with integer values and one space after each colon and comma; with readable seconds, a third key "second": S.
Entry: {"hour": 7, "minute": 55}
